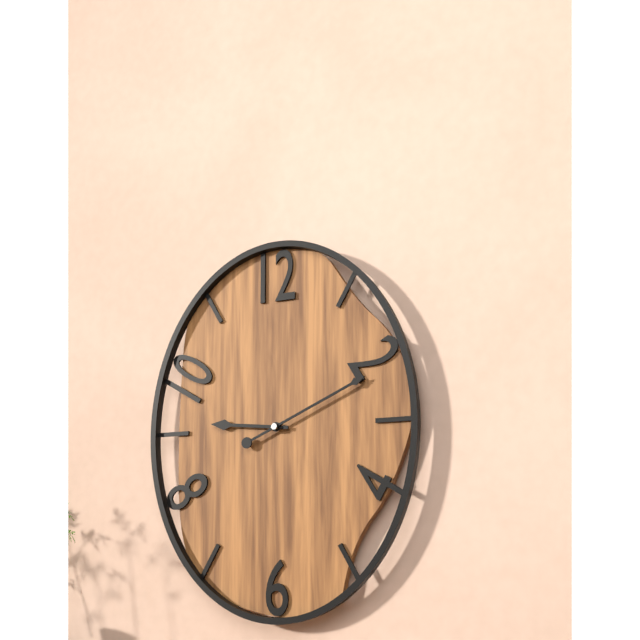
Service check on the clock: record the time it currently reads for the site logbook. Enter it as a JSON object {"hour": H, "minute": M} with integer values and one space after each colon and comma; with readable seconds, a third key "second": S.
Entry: {"hour": 9, "minute": 11}
